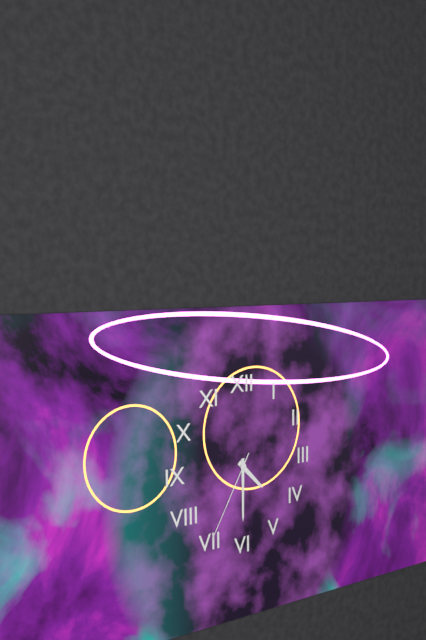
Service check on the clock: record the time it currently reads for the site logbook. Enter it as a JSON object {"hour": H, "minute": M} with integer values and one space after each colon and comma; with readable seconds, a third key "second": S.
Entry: {"hour": 4, "minute": 30, "second": 35}
